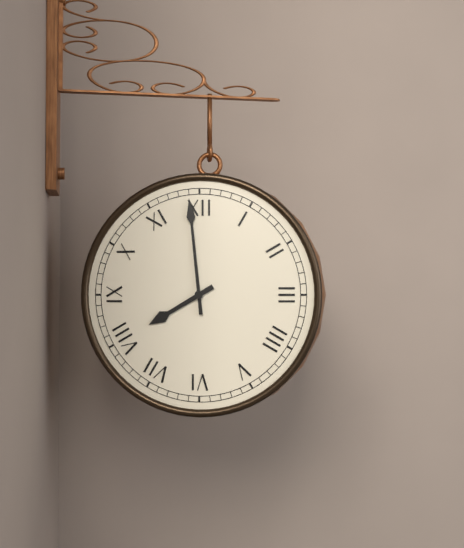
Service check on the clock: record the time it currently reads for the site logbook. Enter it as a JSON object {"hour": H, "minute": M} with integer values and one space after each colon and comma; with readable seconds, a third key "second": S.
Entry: {"hour": 7, "minute": 59}
